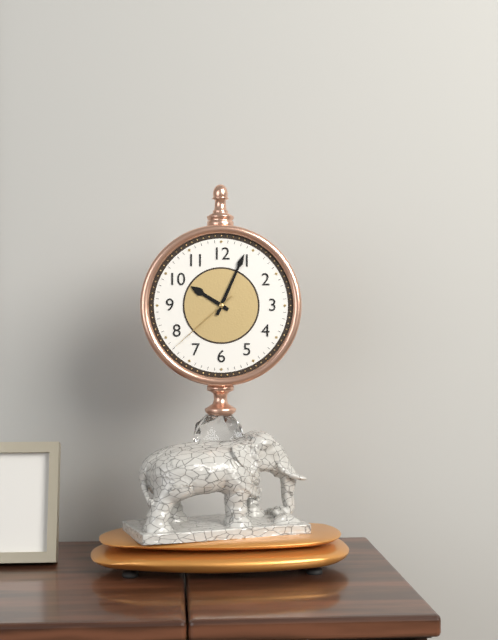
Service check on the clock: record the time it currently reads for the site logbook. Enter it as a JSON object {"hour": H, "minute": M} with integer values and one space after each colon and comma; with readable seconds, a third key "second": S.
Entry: {"hour": 10, "minute": 4, "second": 38}
